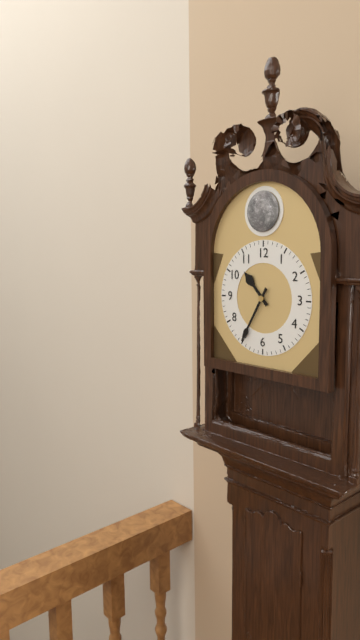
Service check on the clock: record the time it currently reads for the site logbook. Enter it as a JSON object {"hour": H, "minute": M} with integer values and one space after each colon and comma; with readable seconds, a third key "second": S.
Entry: {"hour": 10, "minute": 35}
